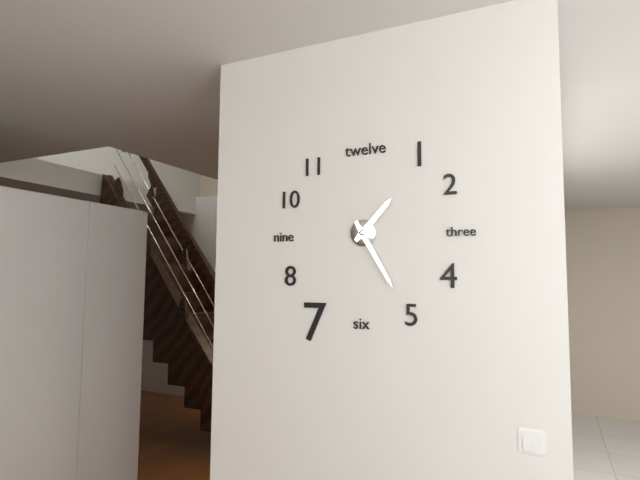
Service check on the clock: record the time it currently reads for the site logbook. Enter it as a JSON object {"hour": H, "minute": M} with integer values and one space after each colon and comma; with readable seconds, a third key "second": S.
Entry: {"hour": 1, "minute": 25}
